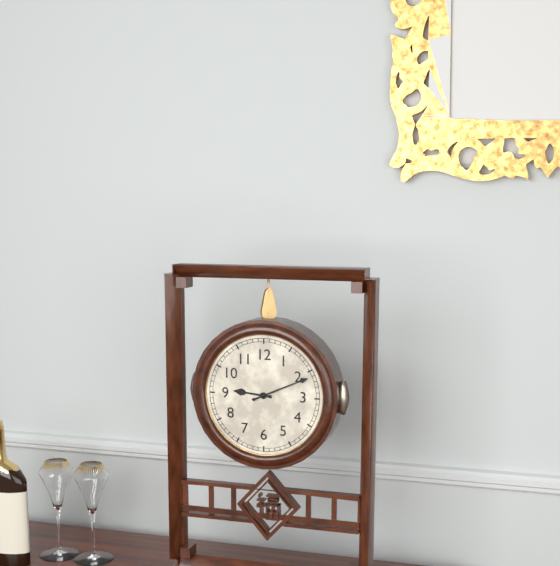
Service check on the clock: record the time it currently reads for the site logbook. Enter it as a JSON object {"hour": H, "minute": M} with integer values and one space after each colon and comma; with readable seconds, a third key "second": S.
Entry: {"hour": 9, "minute": 11}
